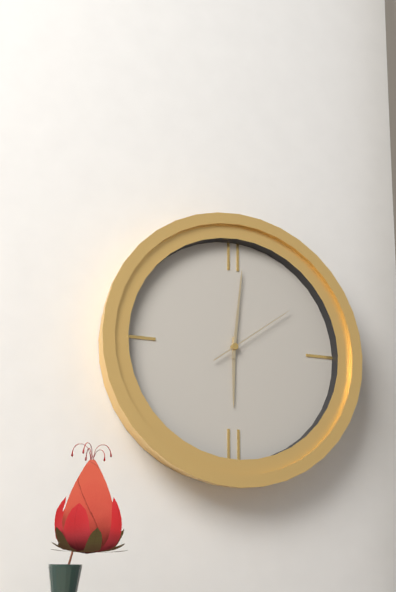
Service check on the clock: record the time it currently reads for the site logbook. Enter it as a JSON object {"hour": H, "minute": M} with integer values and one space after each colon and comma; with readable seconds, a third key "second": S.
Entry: {"hour": 6, "minute": 1, "second": 9}
